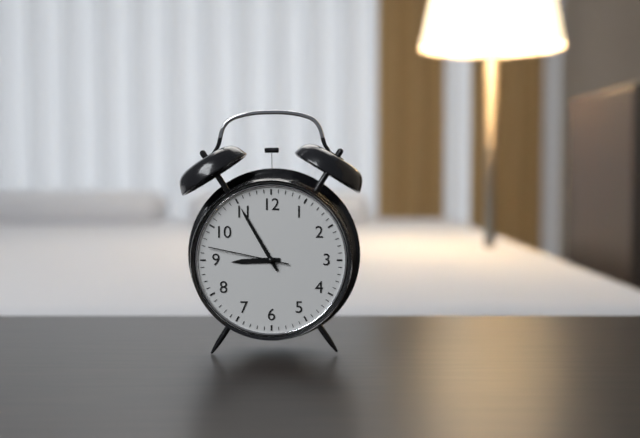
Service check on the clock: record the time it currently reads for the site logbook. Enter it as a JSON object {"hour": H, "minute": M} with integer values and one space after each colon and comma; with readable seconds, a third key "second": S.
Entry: {"hour": 8, "minute": 55, "second": 47}
